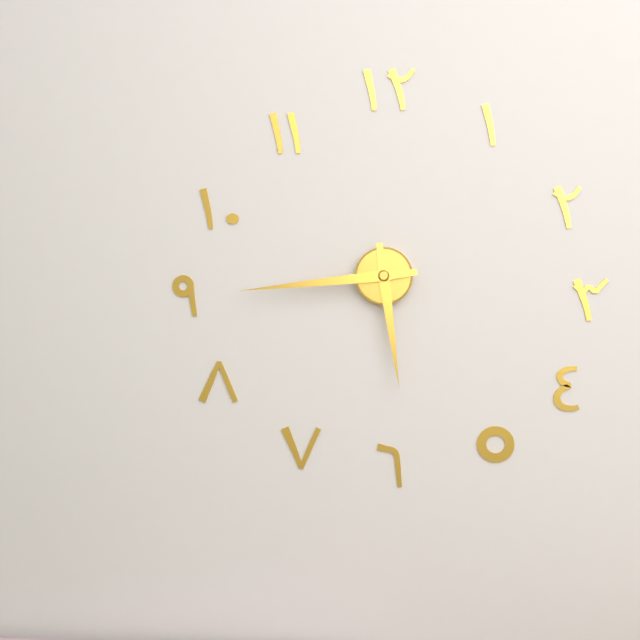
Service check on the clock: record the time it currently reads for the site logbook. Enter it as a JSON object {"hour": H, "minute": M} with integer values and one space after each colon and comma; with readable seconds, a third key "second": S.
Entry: {"hour": 5, "minute": 44}
